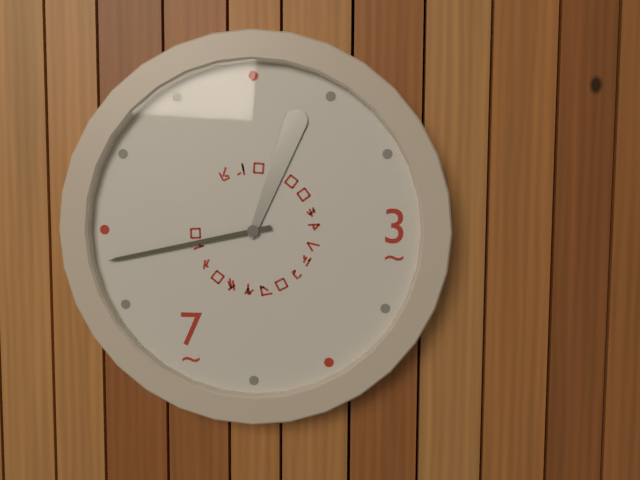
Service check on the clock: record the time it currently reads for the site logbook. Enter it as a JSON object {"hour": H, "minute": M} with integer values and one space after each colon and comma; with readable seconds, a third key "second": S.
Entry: {"hour": 12, "minute": 43}
